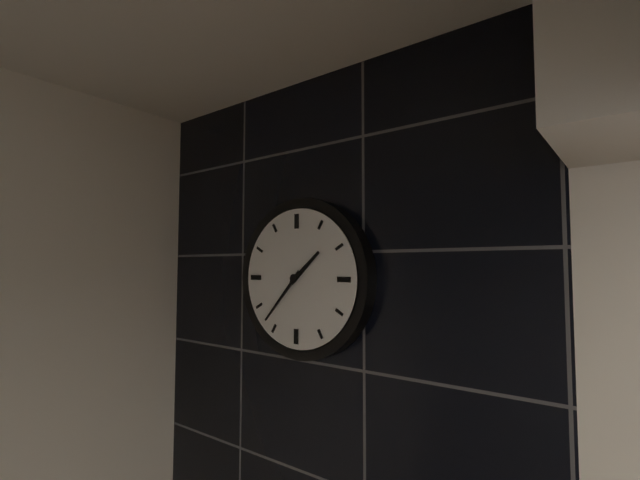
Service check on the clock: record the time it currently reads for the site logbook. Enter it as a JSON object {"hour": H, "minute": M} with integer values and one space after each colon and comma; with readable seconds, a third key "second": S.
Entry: {"hour": 1, "minute": 37}
